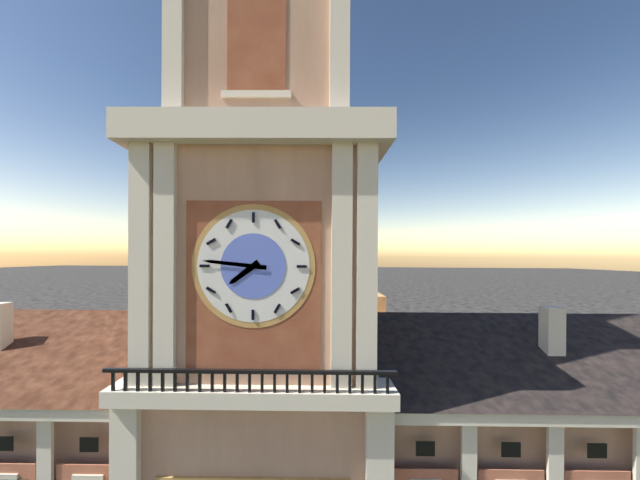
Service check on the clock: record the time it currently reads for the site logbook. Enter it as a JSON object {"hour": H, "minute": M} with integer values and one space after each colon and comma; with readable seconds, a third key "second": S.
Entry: {"hour": 7, "minute": 46}
